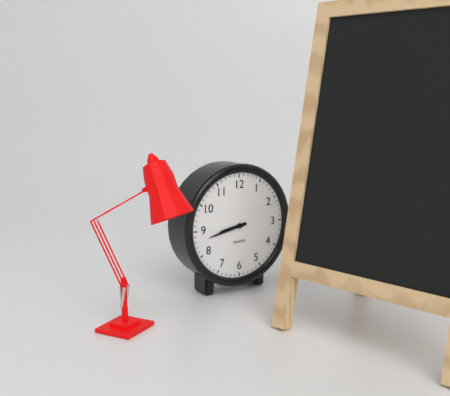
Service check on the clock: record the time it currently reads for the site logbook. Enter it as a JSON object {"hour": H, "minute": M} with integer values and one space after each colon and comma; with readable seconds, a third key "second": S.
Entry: {"hour": 8, "minute": 43}
